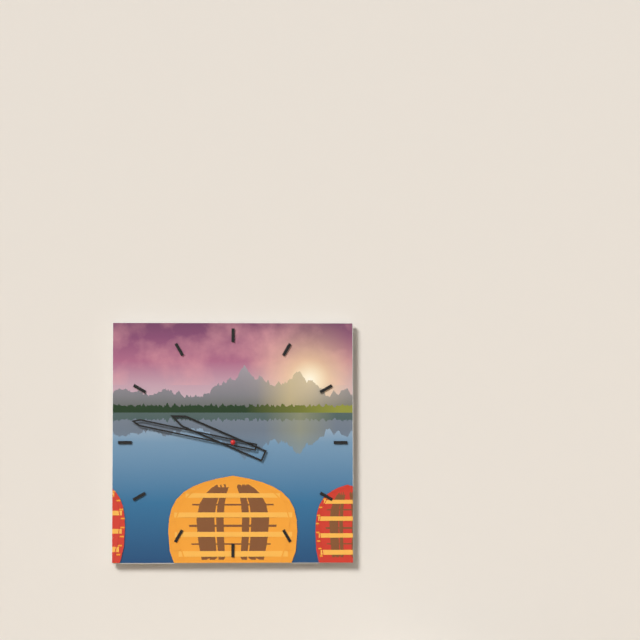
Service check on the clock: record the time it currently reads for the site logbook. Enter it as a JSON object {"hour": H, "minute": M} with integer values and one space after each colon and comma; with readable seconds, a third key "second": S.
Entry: {"hour": 9, "minute": 47}
